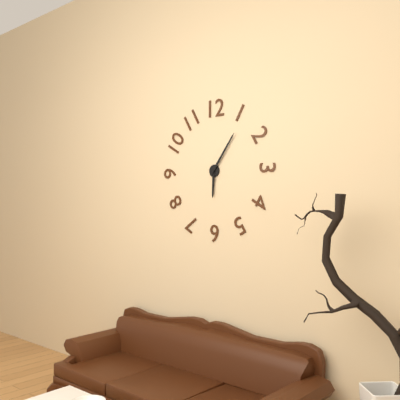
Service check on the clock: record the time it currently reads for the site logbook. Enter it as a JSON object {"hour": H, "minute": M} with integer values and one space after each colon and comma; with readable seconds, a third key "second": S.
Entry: {"hour": 6, "minute": 6}
